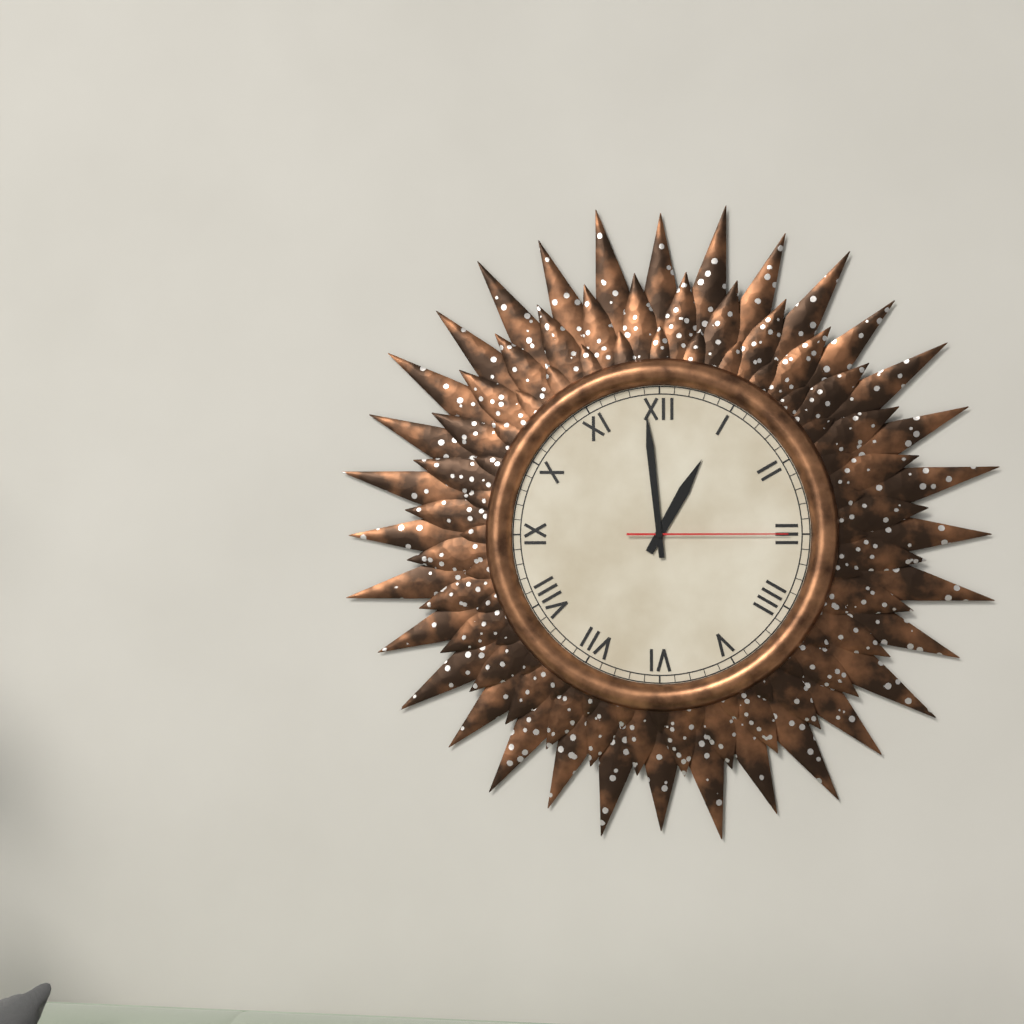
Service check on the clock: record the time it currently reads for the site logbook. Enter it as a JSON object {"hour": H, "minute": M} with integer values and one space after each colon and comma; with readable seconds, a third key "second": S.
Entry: {"hour": 12, "minute": 59, "second": 15}
